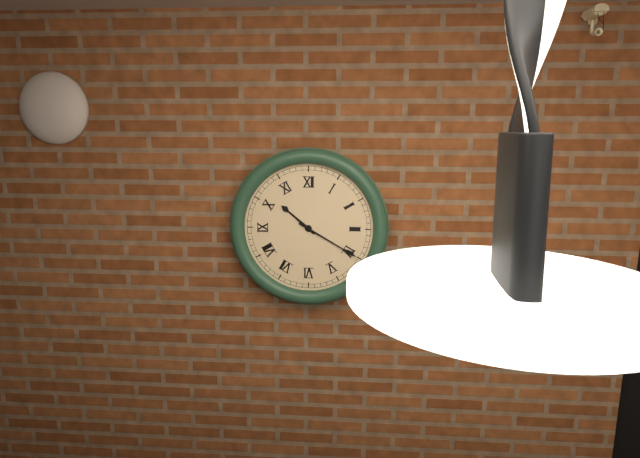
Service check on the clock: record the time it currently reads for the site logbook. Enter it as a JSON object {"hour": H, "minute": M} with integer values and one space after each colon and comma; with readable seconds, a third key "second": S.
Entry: {"hour": 10, "minute": 20}
